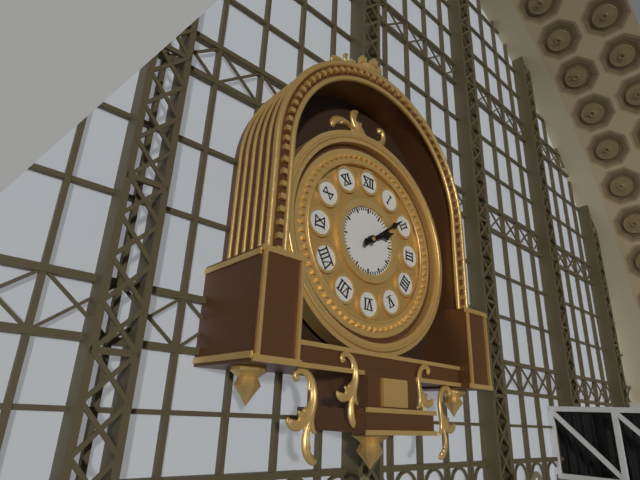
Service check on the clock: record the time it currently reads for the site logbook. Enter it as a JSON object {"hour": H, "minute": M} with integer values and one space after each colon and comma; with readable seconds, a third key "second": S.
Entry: {"hour": 2, "minute": 9}
